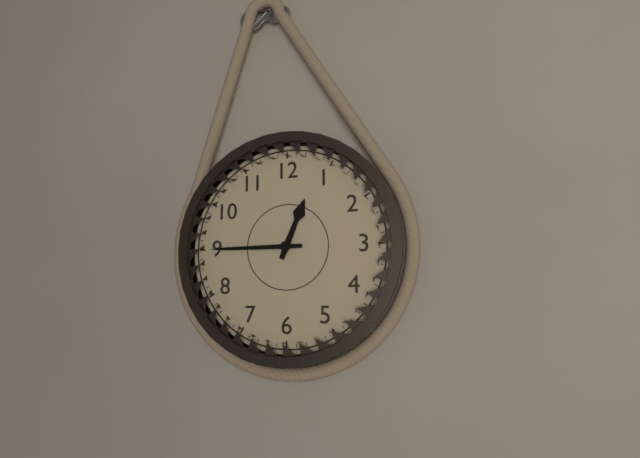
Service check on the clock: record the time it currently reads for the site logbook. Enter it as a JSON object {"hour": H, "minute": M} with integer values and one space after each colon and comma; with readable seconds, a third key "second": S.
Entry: {"hour": 12, "minute": 45}
